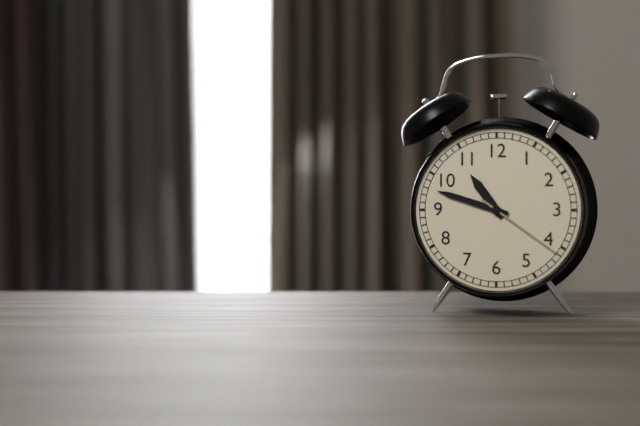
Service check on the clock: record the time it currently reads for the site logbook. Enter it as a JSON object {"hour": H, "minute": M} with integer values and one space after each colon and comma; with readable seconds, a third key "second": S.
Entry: {"hour": 10, "minute": 48, "second": 21}
